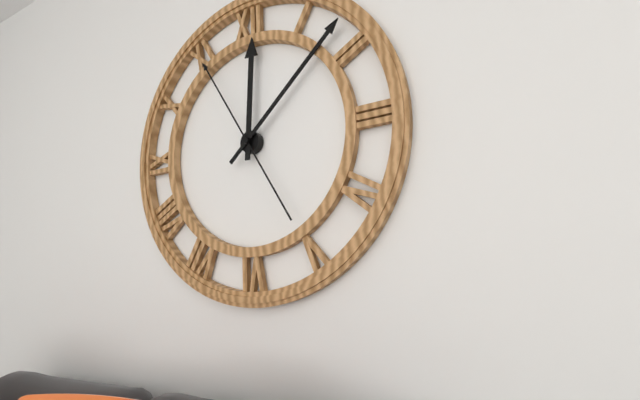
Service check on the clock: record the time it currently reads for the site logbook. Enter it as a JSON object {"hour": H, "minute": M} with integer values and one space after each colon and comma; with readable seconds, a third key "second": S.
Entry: {"hour": 12, "minute": 8, "second": 55}
